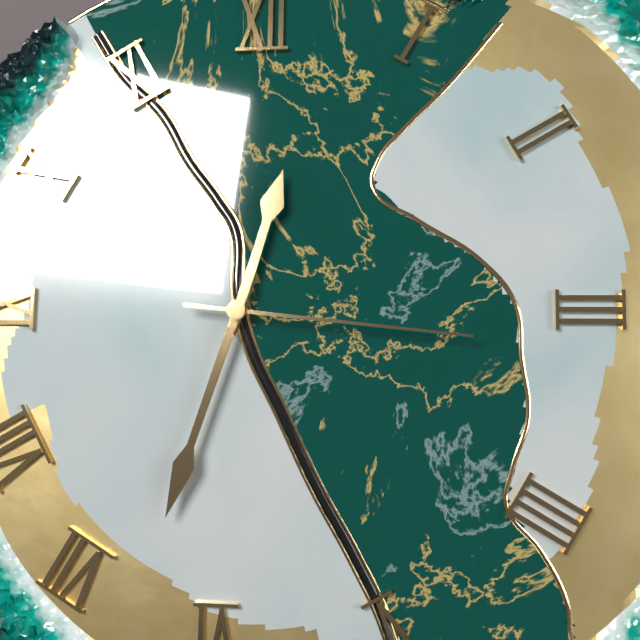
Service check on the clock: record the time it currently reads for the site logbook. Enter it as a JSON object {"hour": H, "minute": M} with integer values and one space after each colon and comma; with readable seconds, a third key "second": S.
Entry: {"hour": 12, "minute": 33, "second": 16}
